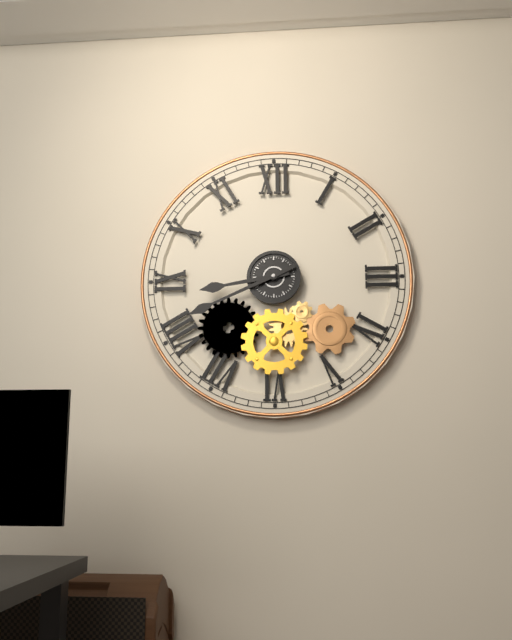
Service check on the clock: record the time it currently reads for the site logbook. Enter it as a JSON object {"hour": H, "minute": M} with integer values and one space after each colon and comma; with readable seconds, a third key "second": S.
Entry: {"hour": 8, "minute": 41}
